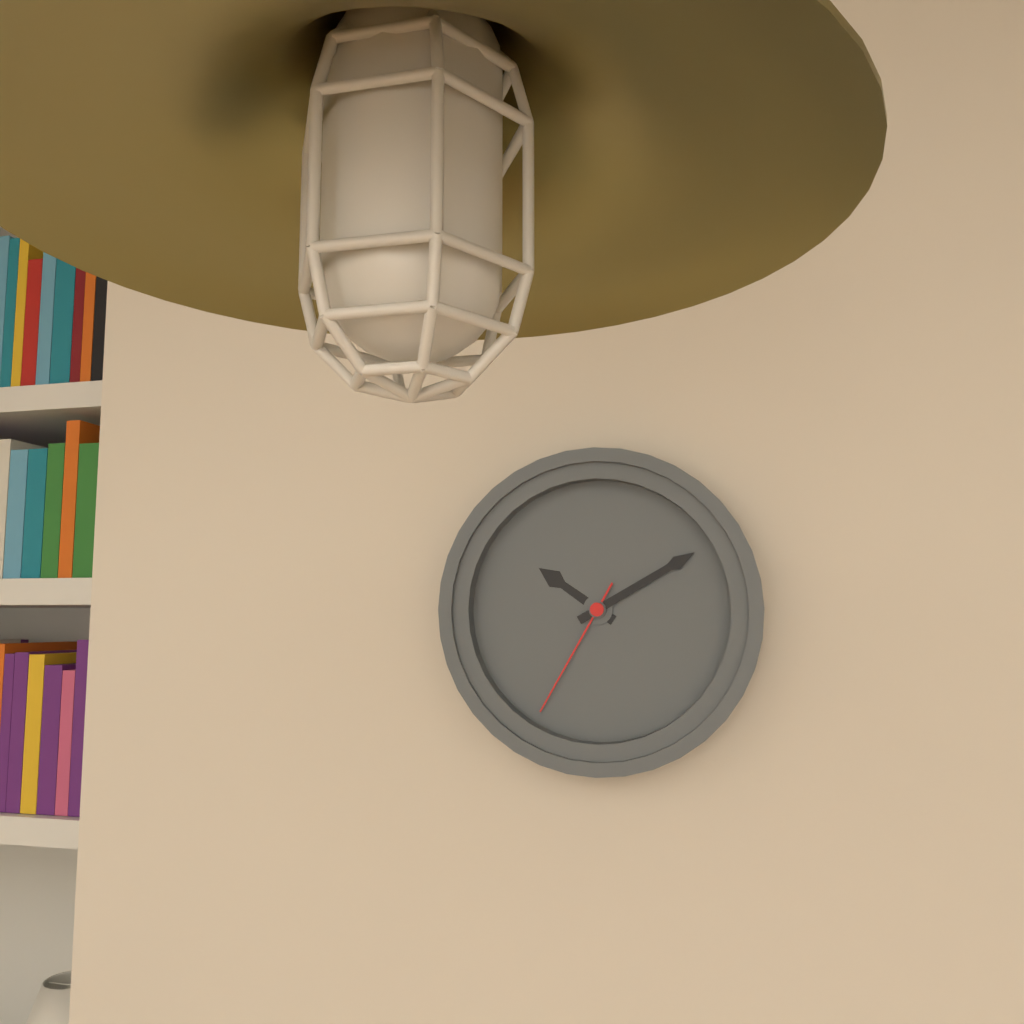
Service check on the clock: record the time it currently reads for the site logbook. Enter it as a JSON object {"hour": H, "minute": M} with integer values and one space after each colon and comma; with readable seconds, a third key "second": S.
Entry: {"hour": 10, "minute": 10, "second": 35}
